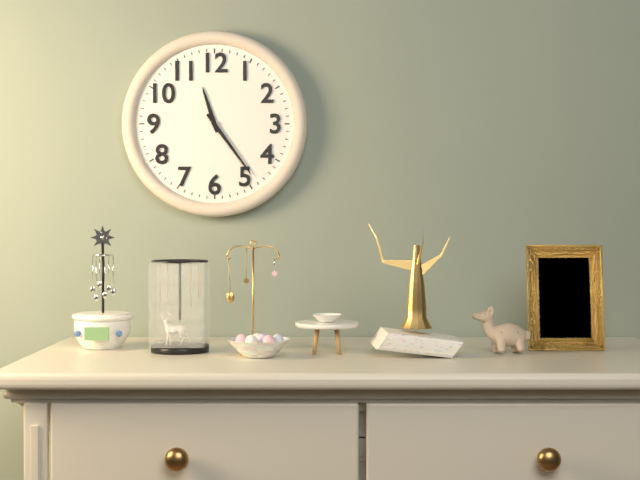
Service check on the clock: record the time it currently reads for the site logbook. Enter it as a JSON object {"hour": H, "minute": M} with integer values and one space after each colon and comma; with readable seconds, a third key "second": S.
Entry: {"hour": 11, "minute": 24}
